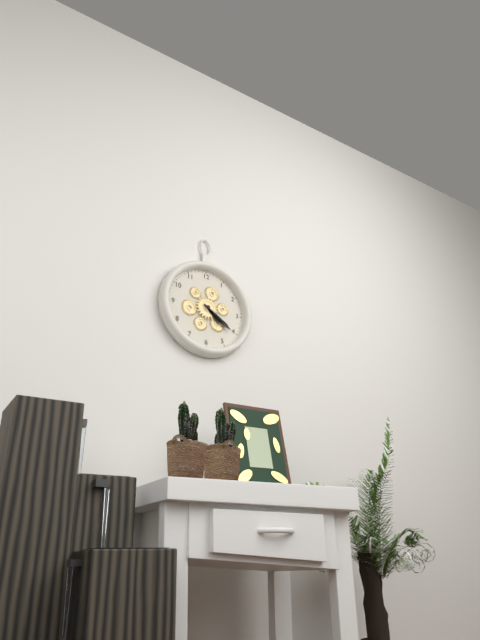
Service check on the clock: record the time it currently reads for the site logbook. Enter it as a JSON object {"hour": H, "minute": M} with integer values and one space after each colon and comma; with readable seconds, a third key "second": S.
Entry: {"hour": 4, "minute": 21}
